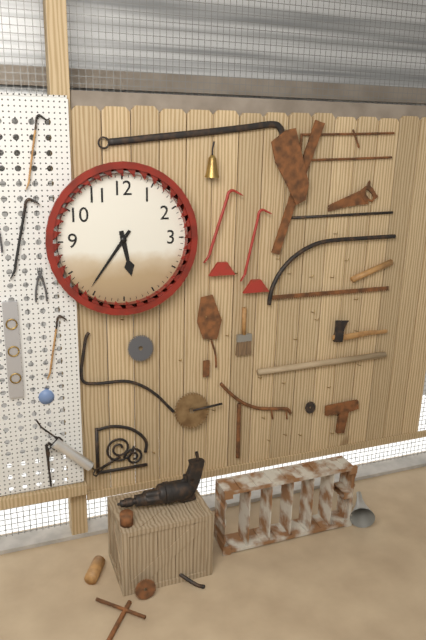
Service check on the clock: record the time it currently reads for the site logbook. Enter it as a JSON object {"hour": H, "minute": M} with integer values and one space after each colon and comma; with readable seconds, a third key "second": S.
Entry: {"hour": 5, "minute": 36}
